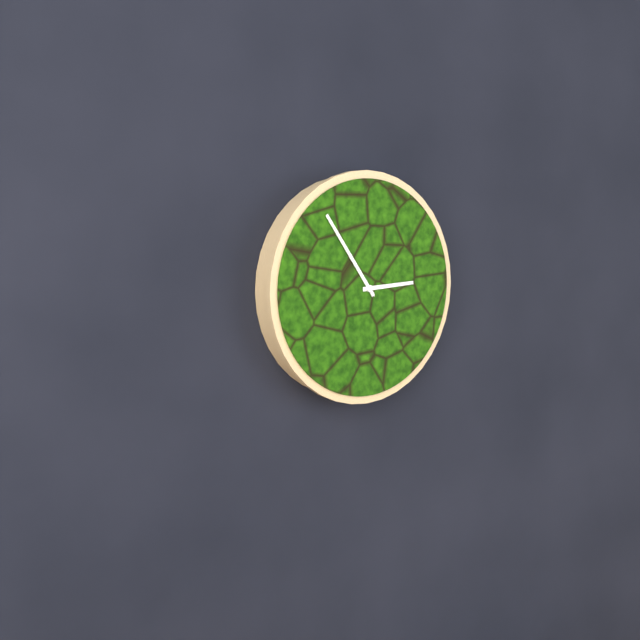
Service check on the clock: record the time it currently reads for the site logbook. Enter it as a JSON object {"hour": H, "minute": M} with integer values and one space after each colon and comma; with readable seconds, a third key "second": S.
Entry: {"hour": 2, "minute": 54, "second": 54}
